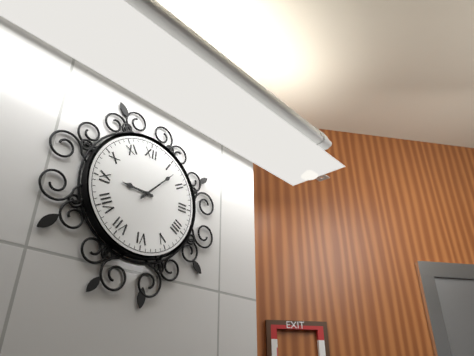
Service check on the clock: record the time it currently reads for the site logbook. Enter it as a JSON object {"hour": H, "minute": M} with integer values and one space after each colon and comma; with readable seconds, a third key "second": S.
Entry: {"hour": 9, "minute": 7}
